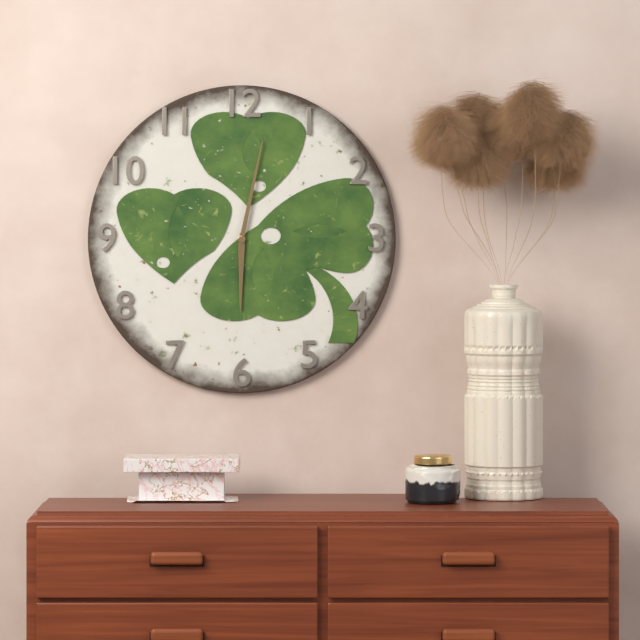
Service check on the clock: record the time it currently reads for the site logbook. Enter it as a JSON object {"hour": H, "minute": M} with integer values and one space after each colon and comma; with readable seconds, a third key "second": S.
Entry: {"hour": 6, "minute": 2}
